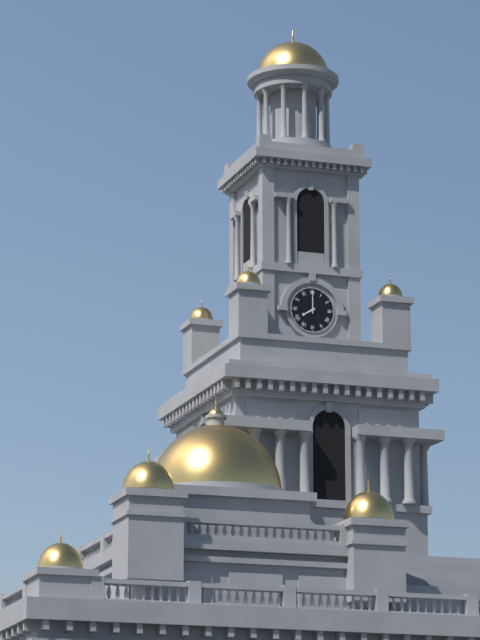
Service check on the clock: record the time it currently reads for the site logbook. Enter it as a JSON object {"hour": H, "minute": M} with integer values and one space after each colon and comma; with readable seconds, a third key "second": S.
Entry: {"hour": 8, "minute": 0}
